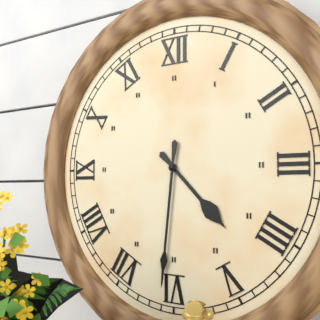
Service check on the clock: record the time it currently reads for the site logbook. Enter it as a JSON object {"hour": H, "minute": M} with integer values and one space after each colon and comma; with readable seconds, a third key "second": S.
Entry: {"hour": 4, "minute": 31}
